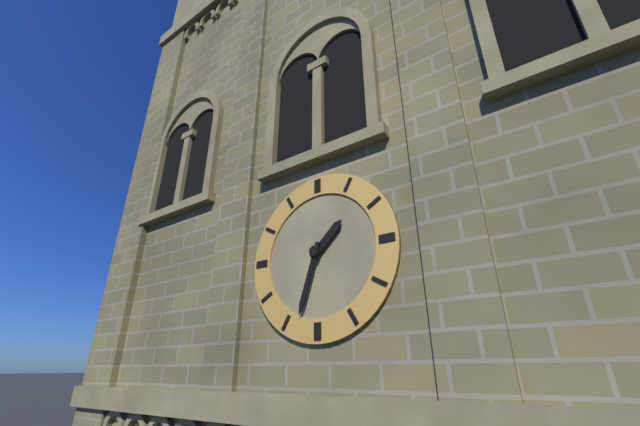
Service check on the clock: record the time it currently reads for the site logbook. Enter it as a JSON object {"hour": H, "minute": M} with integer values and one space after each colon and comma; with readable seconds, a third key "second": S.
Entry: {"hour": 1, "minute": 33}
